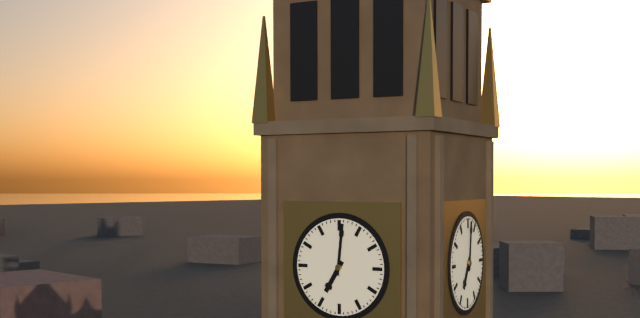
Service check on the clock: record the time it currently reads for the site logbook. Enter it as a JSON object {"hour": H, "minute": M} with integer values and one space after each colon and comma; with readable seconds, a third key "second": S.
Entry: {"hour": 7, "minute": 1}
